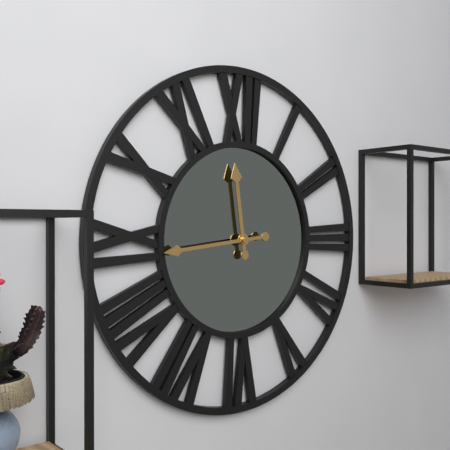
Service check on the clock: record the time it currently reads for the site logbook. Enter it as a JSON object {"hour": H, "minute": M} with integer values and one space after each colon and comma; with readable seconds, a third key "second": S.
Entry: {"hour": 11, "minute": 44}
